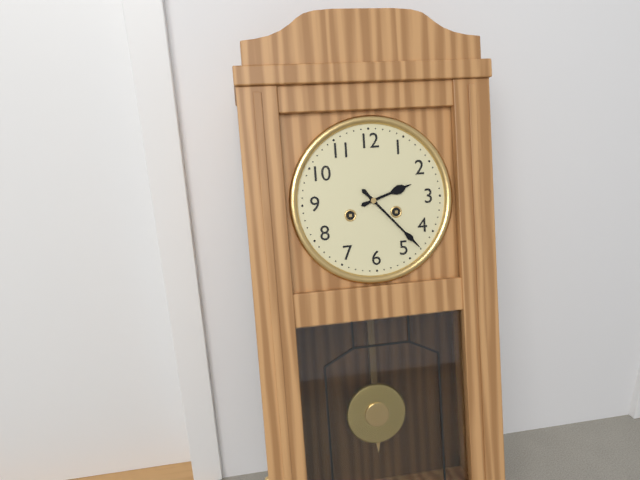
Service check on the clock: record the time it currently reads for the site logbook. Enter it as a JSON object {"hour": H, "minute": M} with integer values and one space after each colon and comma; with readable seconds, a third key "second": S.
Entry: {"hour": 2, "minute": 23}
